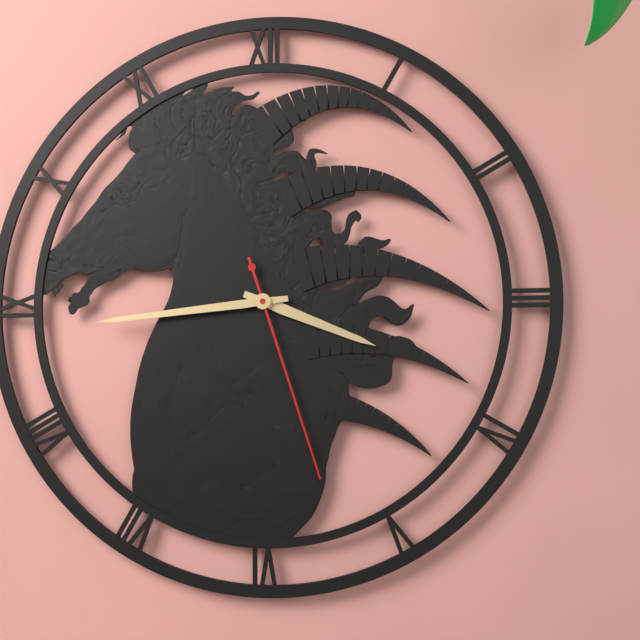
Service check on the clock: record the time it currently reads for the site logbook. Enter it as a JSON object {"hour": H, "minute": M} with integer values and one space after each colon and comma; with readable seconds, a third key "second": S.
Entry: {"hour": 3, "minute": 44, "second": 27}
